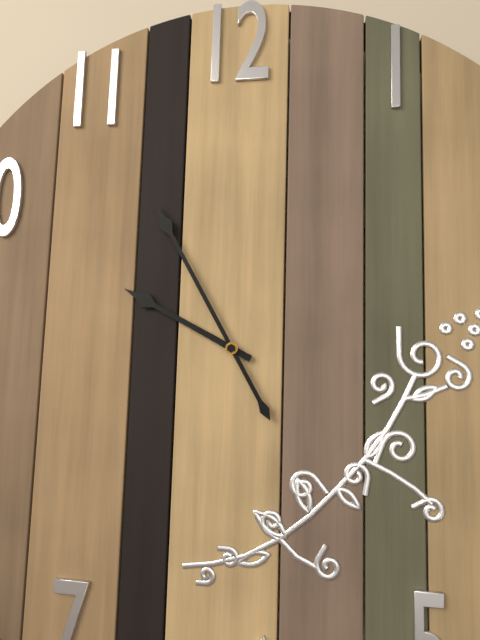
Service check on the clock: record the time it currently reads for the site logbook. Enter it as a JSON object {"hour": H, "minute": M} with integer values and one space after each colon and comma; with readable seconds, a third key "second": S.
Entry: {"hour": 9, "minute": 55}
